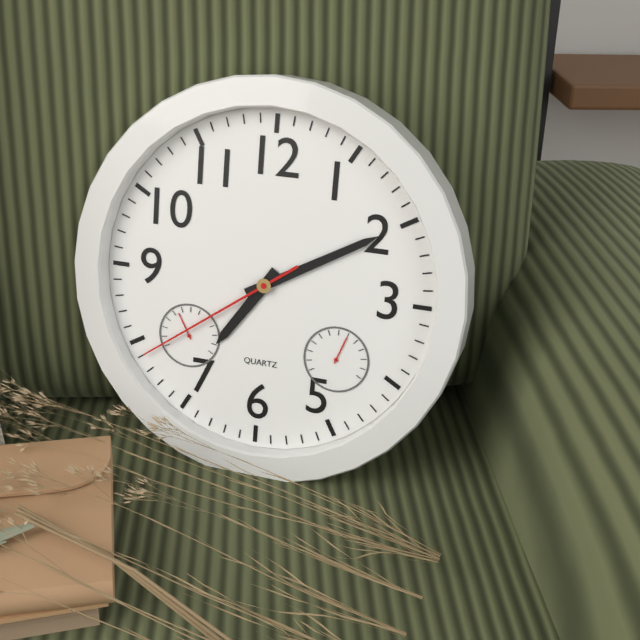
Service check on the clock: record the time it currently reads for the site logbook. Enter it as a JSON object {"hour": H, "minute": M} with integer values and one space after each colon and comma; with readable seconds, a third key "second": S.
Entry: {"hour": 7, "minute": 10, "second": 39}
